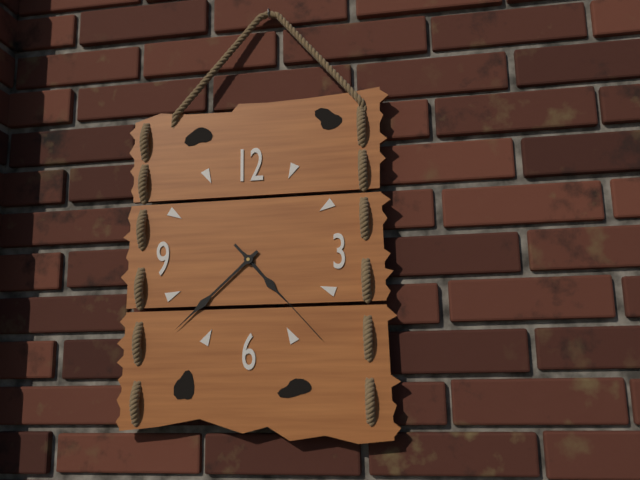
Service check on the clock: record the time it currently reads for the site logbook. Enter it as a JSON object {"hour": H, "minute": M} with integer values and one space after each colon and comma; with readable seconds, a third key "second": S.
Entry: {"hour": 4, "minute": 38, "second": 23}
